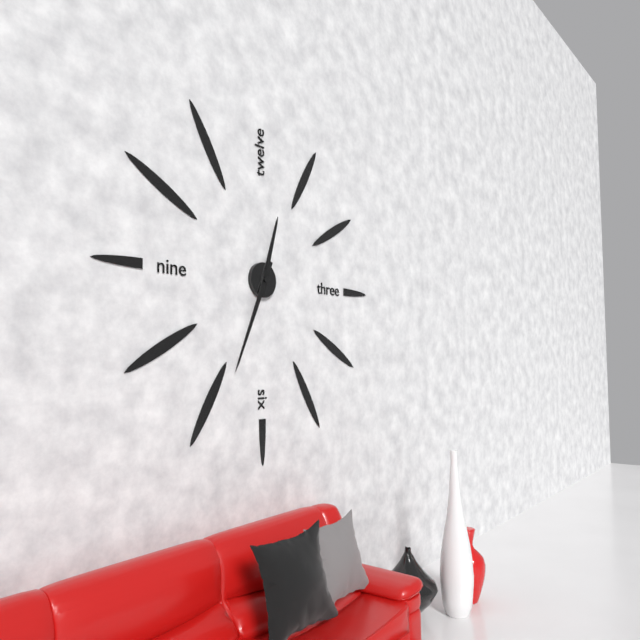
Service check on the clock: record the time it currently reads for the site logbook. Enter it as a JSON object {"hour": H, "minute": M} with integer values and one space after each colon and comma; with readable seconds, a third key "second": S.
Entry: {"hour": 12, "minute": 34}
